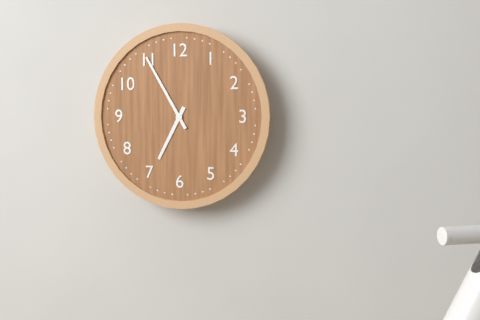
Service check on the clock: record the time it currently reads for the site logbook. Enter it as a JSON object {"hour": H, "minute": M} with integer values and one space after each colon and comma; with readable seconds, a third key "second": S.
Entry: {"hour": 6, "minute": 55}
